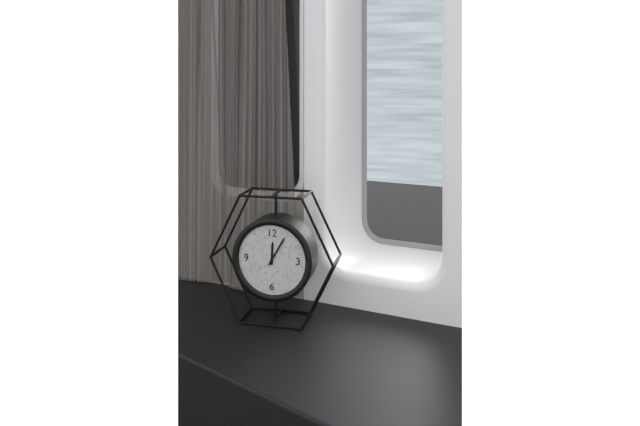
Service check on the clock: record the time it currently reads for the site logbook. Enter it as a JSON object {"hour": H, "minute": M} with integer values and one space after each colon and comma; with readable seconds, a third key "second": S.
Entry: {"hour": 12, "minute": 5}
